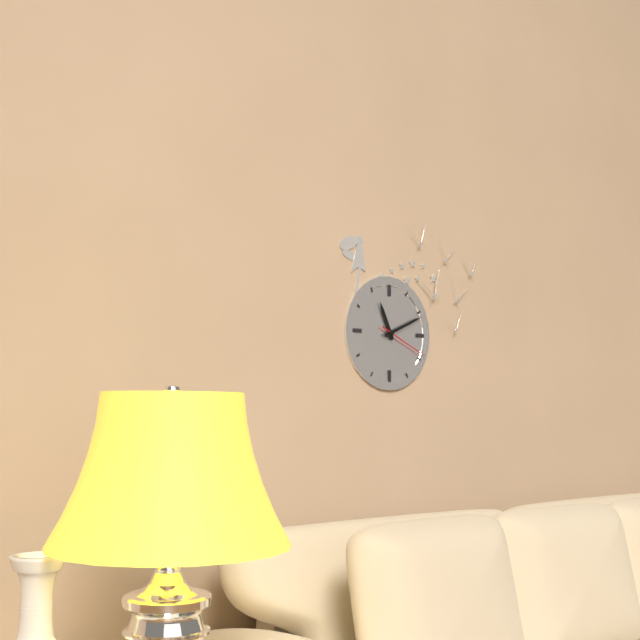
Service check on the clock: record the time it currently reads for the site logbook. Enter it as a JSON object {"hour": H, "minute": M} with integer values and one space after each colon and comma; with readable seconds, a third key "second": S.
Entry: {"hour": 11, "minute": 11, "second": 19}
